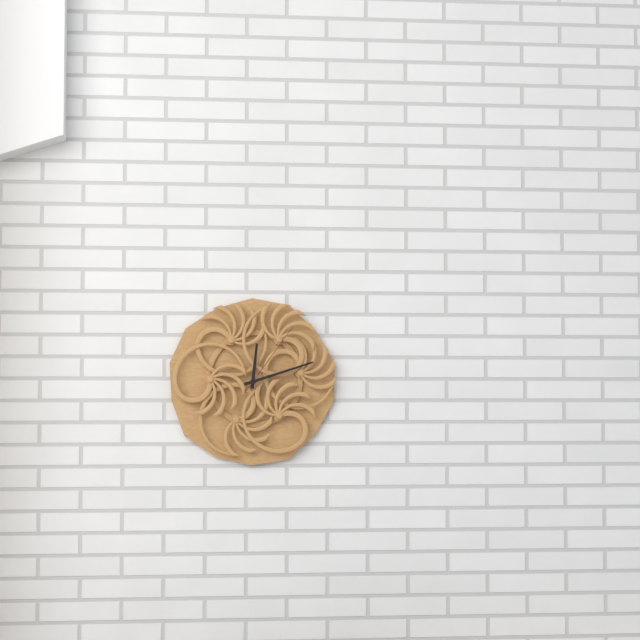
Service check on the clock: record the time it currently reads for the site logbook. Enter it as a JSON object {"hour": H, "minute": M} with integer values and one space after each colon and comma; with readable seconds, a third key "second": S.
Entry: {"hour": 12, "minute": 12, "second": 6}
